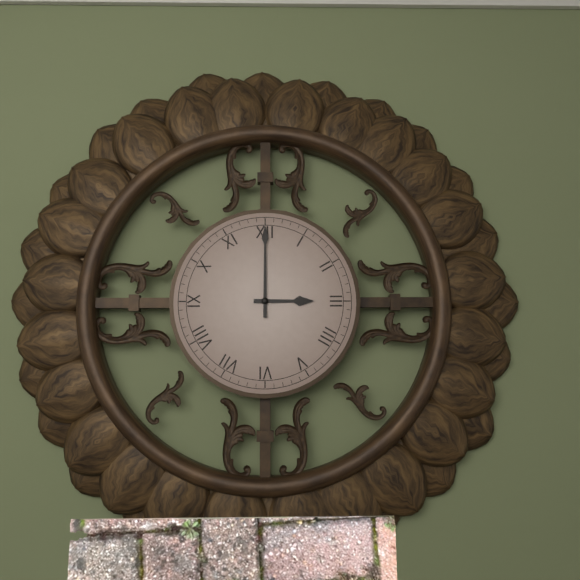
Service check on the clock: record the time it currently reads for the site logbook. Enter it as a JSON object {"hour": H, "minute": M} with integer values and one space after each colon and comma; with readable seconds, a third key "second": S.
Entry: {"hour": 3, "minute": 0}
